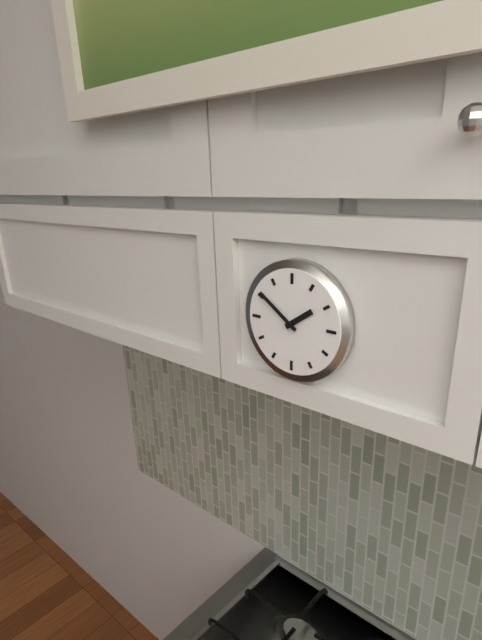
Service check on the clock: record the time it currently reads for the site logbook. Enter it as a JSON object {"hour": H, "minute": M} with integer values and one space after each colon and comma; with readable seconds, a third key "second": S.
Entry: {"hour": 1, "minute": 51}
